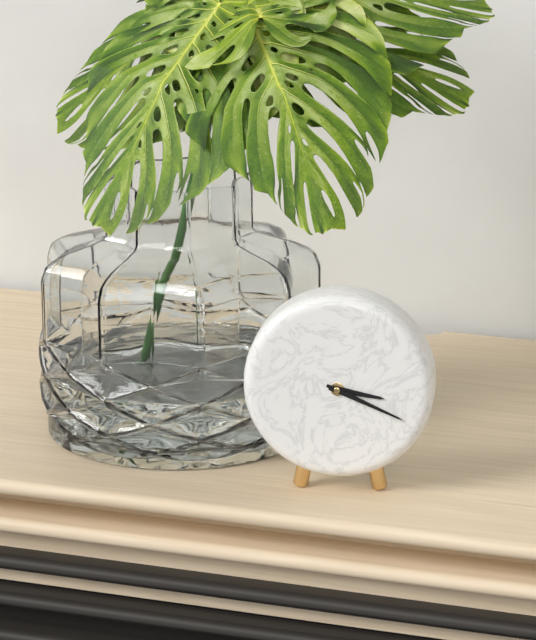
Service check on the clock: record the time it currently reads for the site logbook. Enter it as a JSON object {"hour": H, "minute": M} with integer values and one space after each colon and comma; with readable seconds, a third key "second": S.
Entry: {"hour": 3, "minute": 19}
